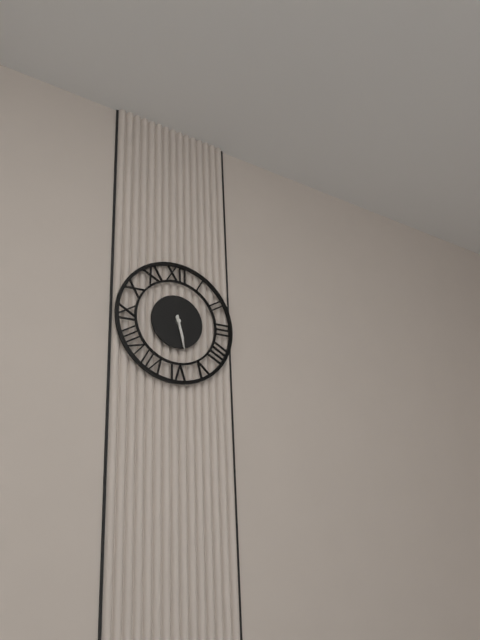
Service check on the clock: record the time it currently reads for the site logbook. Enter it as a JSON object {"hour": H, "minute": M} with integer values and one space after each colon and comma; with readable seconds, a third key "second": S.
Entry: {"hour": 5, "minute": 28}
